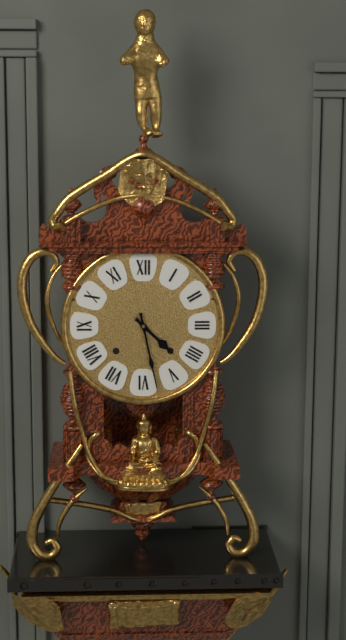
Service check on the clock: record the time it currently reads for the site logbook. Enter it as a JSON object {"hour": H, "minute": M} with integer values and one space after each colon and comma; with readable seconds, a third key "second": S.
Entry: {"hour": 4, "minute": 28}
